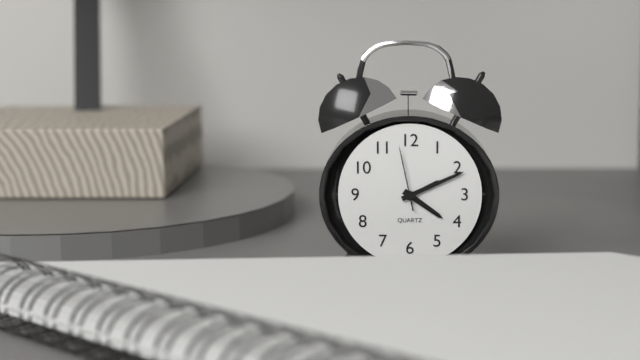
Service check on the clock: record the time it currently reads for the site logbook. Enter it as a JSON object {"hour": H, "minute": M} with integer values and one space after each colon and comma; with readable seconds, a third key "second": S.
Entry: {"hour": 4, "minute": 11, "second": 58}
